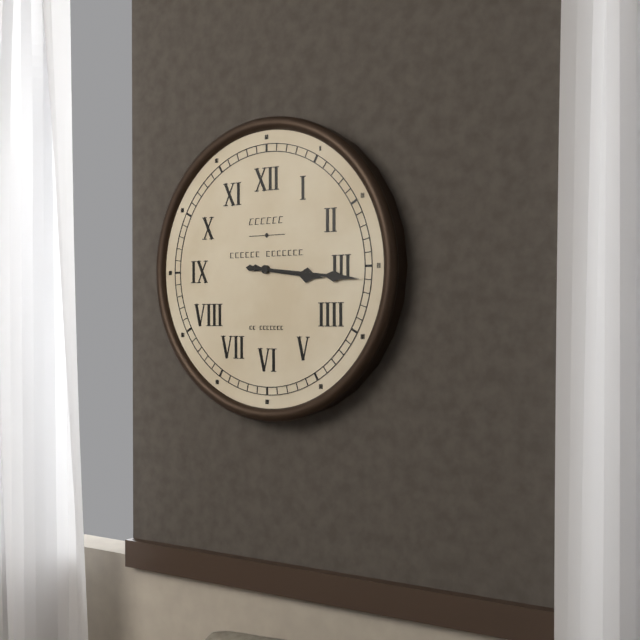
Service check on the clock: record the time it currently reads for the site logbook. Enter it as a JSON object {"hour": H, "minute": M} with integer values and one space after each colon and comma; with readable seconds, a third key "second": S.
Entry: {"hour": 3, "minute": 16}
